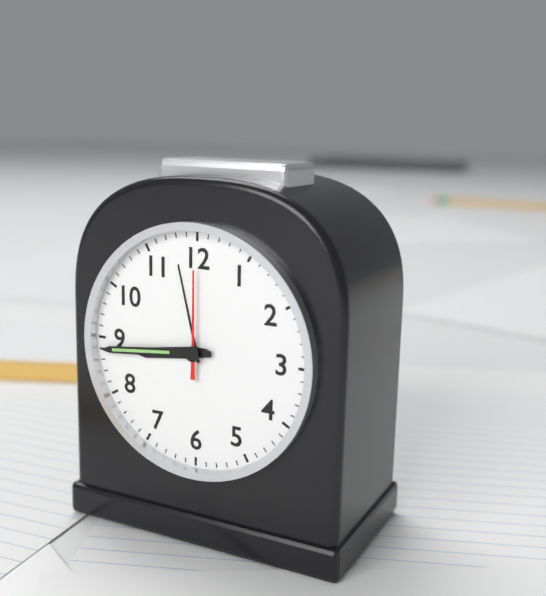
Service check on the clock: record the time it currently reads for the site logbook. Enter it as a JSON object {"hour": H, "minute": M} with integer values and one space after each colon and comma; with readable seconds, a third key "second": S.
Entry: {"hour": 8, "minute": 44, "second": 0}
